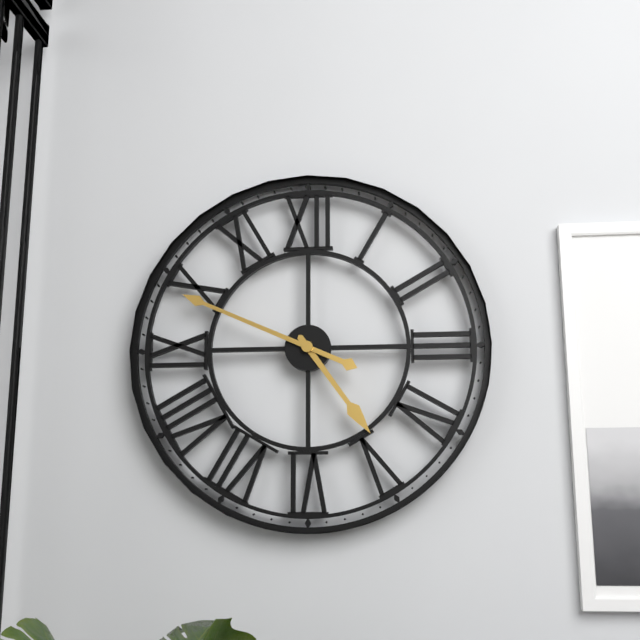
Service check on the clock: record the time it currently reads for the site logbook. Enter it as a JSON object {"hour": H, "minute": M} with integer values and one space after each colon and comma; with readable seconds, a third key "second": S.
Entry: {"hour": 4, "minute": 49}
